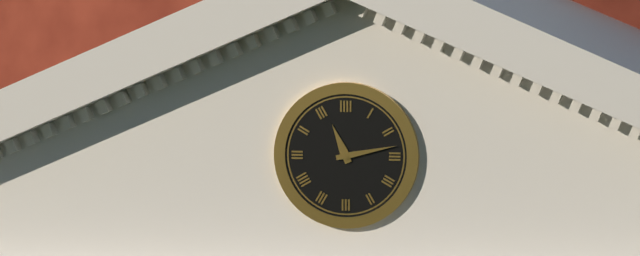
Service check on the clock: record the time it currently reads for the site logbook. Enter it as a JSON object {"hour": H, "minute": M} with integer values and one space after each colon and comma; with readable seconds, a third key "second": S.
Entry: {"hour": 11, "minute": 13}
